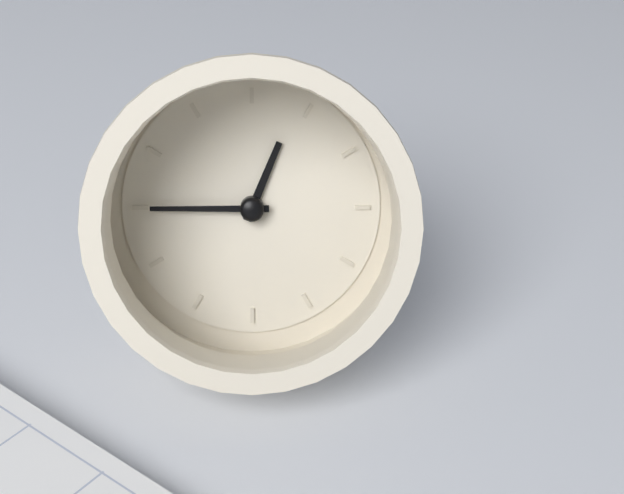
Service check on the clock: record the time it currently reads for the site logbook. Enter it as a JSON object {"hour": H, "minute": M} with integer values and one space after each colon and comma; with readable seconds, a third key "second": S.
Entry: {"hour": 12, "minute": 45}
